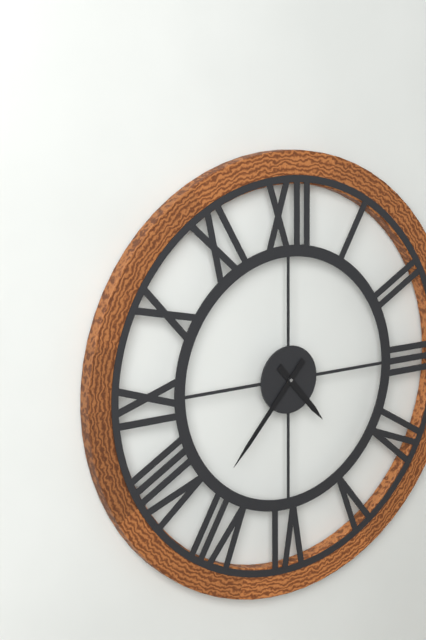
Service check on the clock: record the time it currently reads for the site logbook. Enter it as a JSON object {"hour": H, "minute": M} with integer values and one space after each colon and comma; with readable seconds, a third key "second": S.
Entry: {"hour": 4, "minute": 37}
